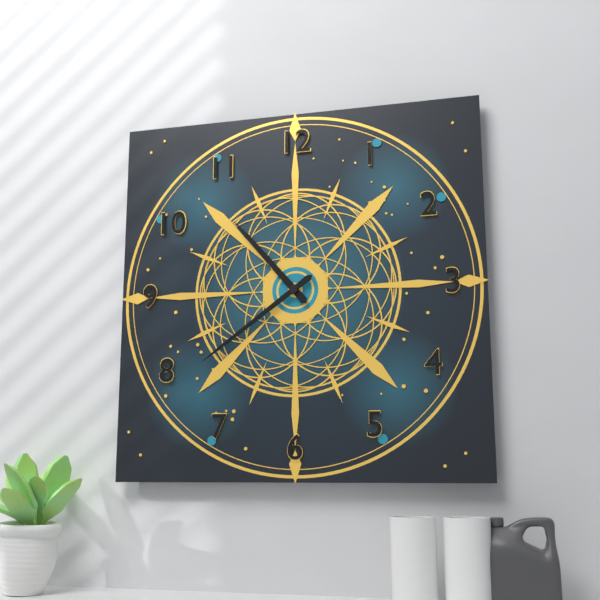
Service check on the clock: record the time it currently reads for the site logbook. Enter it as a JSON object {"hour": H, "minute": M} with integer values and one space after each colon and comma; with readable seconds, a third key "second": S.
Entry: {"hour": 10, "minute": 39}
